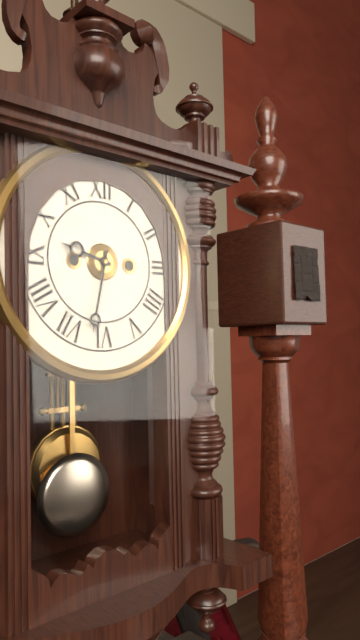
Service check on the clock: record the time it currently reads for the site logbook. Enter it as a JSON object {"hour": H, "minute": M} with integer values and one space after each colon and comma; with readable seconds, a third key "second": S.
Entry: {"hour": 9, "minute": 32}
